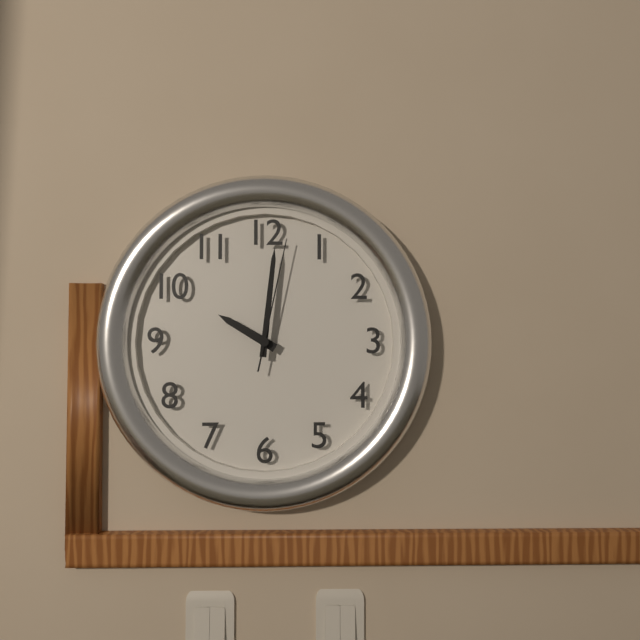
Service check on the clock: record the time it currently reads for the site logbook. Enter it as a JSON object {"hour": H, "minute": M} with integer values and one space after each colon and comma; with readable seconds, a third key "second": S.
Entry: {"hour": 10, "minute": 1, "second": 2}
